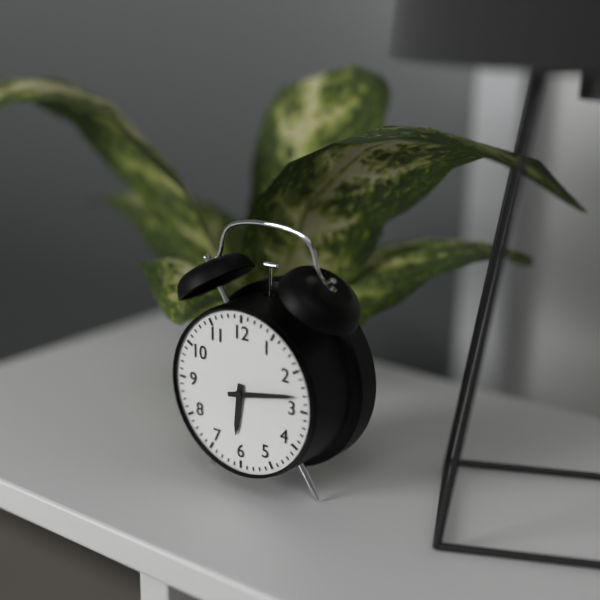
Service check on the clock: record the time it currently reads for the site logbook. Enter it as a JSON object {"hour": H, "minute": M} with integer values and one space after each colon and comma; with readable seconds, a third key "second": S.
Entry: {"hour": 6, "minute": 13}
